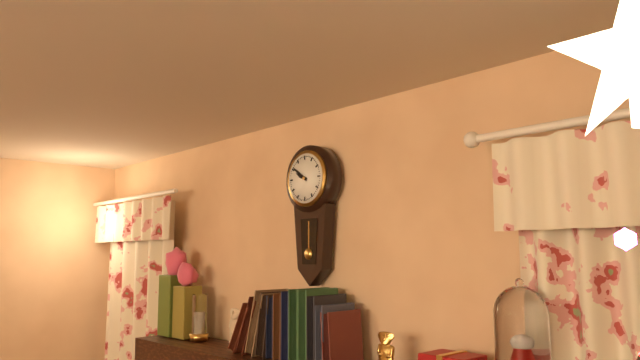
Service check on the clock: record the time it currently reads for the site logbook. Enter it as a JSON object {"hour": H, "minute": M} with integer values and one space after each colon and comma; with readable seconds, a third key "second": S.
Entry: {"hour": 9, "minute": 51}
